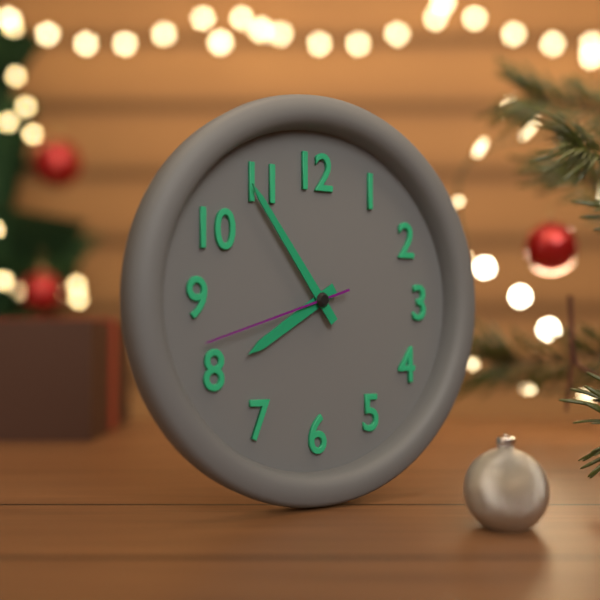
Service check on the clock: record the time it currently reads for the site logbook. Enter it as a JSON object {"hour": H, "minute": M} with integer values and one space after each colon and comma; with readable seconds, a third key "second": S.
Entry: {"hour": 7, "minute": 54, "second": 42}
